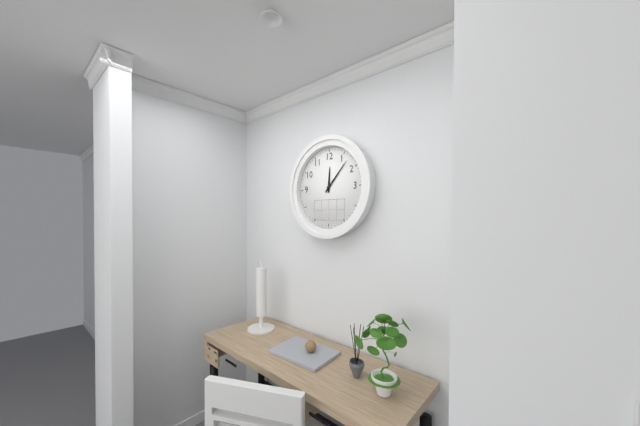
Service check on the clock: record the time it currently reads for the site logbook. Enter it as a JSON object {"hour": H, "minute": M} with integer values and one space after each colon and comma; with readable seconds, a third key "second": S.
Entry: {"hour": 12, "minute": 7}
